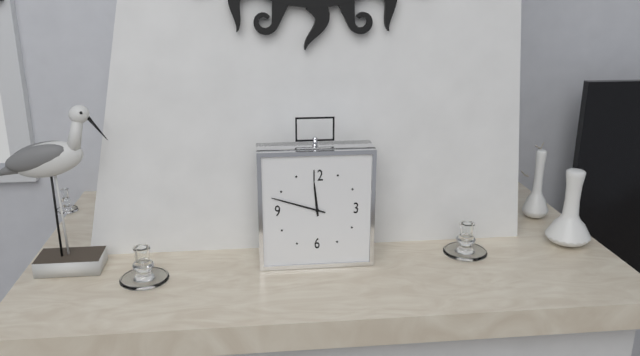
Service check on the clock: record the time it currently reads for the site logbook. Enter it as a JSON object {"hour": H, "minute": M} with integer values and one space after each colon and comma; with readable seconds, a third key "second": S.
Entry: {"hour": 11, "minute": 48}
